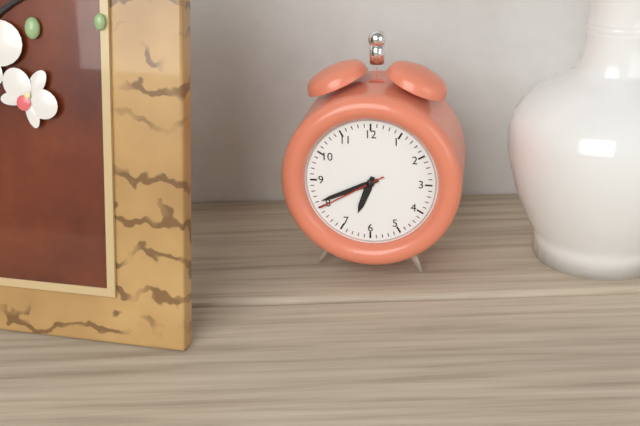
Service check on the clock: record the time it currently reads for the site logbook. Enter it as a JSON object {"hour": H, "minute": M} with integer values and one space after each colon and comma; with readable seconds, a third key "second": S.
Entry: {"hour": 6, "minute": 41, "second": 40}
